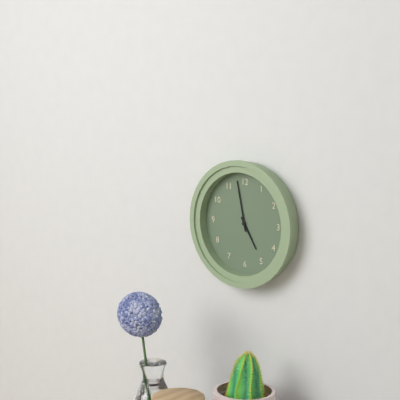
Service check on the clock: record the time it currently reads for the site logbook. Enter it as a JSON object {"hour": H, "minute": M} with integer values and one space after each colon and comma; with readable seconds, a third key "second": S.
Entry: {"hour": 4, "minute": 58}
